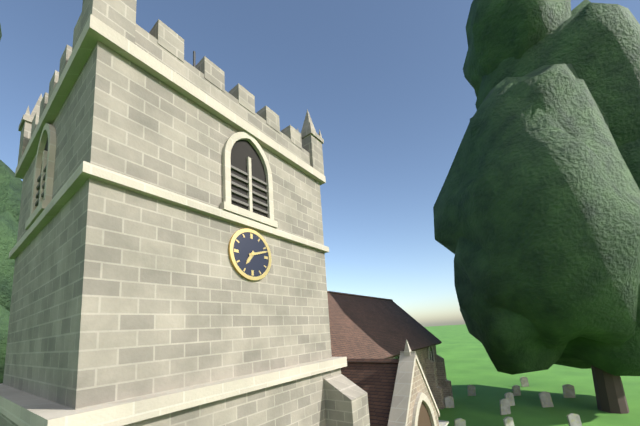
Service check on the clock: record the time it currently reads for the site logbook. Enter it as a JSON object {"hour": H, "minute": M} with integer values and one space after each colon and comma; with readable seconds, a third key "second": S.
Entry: {"hour": 7, "minute": 12}
